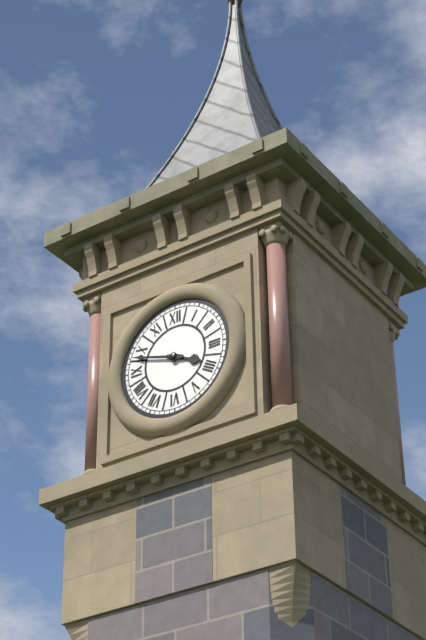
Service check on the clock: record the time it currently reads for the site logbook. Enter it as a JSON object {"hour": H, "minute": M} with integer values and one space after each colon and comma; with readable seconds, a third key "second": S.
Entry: {"hour": 3, "minute": 48}
